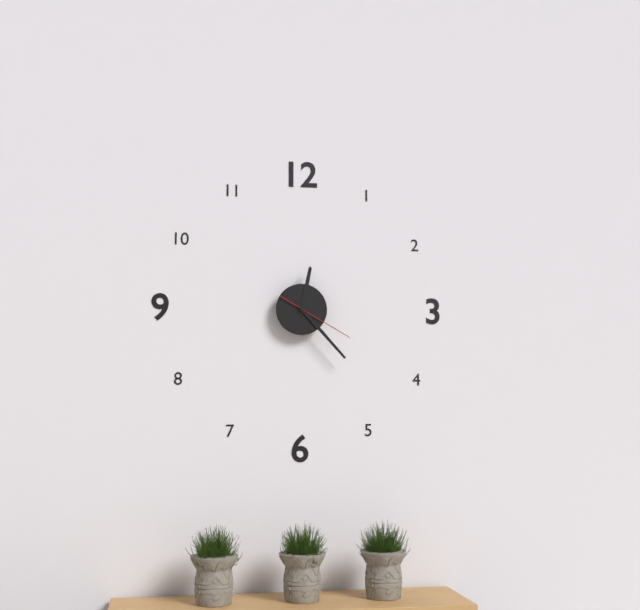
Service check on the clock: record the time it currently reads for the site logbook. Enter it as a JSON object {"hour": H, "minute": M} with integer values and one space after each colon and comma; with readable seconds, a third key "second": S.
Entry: {"hour": 12, "minute": 23, "second": 20}
